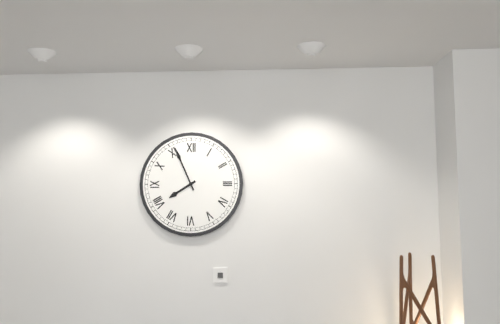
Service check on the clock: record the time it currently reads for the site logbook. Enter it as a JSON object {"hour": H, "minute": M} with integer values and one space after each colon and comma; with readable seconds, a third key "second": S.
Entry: {"hour": 7, "minute": 56}
